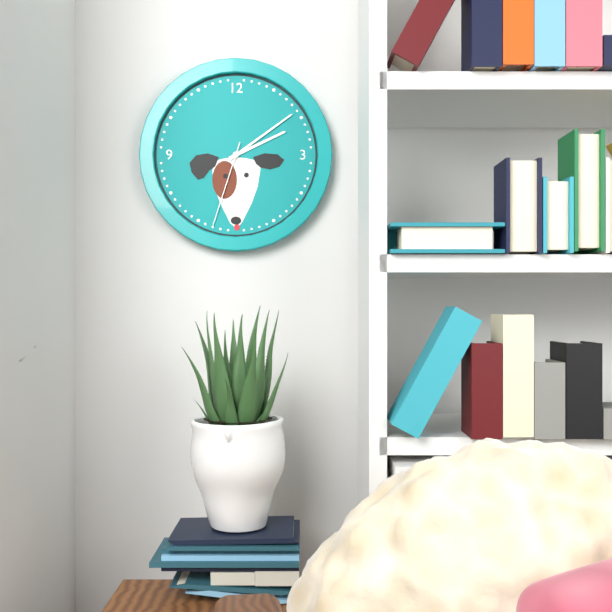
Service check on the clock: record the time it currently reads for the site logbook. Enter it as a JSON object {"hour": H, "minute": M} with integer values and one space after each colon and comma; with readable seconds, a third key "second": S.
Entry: {"hour": 2, "minute": 9, "second": 33}
